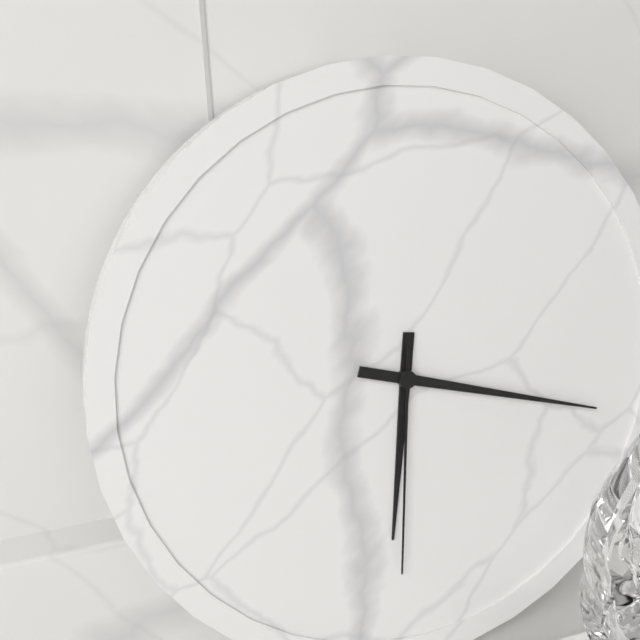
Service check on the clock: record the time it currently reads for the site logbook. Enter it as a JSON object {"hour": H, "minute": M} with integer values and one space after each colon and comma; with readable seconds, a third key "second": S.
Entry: {"hour": 6, "minute": 18, "second": 31}
